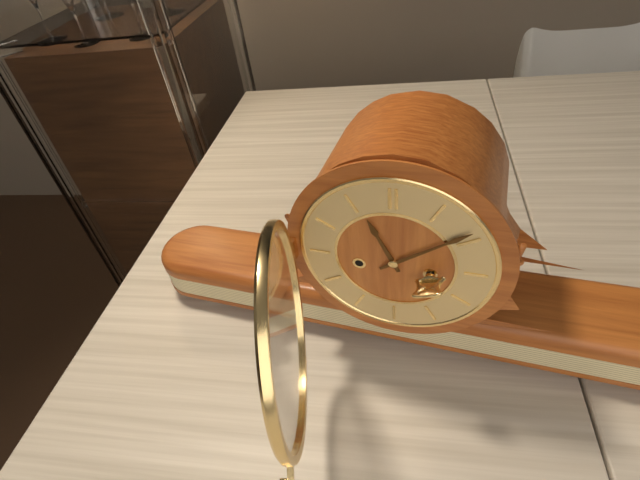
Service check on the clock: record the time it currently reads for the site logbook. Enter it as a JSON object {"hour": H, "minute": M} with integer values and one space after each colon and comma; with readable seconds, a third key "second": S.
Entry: {"hour": 11, "minute": 9}
